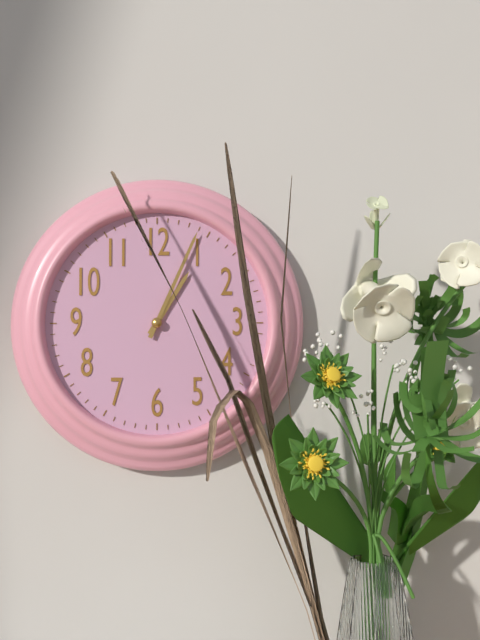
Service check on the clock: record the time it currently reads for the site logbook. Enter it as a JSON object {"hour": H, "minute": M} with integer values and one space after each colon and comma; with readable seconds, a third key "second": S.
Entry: {"hour": 1, "minute": 4}
